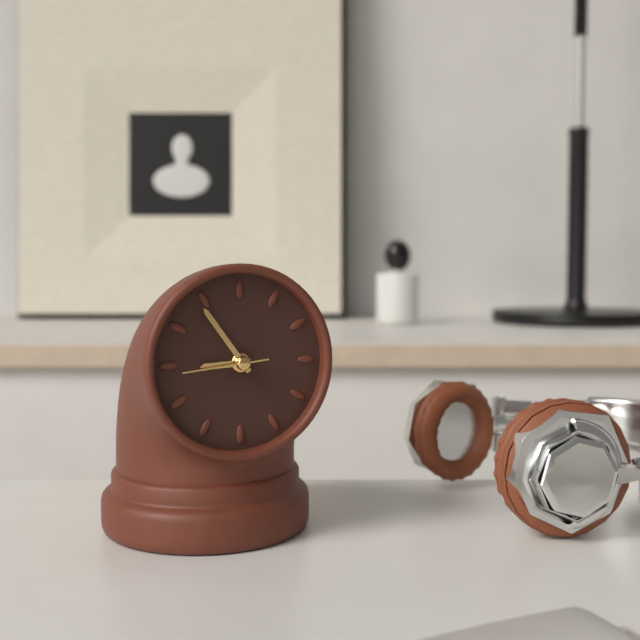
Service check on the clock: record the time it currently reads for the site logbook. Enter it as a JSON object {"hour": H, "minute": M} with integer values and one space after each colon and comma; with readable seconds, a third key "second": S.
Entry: {"hour": 8, "minute": 54, "second": 44}
